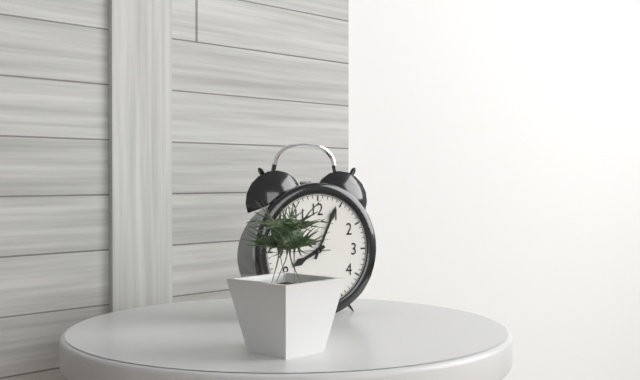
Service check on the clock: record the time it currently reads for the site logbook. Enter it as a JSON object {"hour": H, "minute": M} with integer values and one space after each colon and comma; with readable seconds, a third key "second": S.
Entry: {"hour": 8, "minute": 4}
